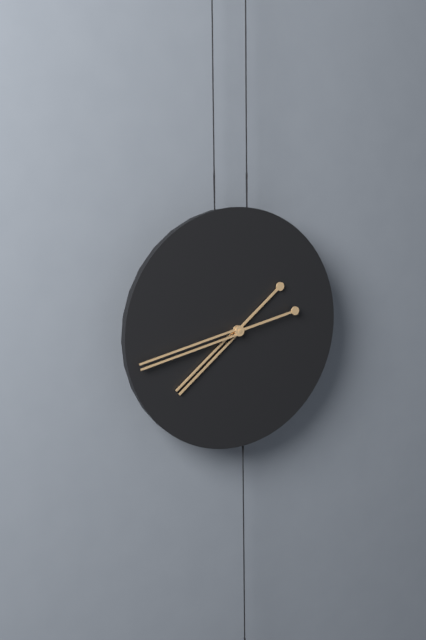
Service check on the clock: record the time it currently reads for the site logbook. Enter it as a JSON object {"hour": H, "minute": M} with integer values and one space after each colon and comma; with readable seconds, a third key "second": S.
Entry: {"hour": 7, "minute": 43}
